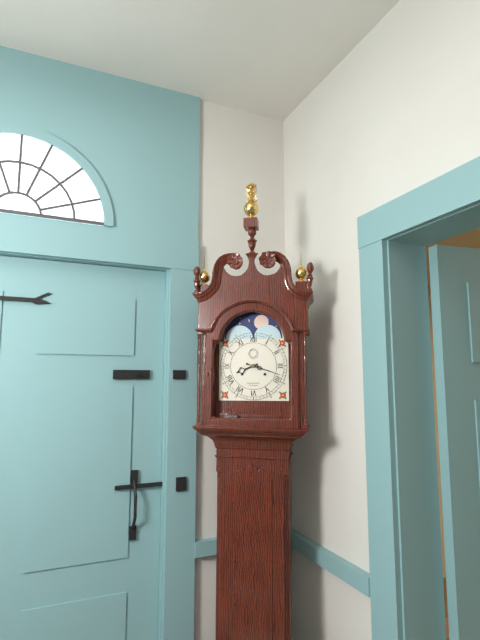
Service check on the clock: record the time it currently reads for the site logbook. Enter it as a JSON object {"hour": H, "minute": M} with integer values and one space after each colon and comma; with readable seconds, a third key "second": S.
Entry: {"hour": 8, "minute": 18}
